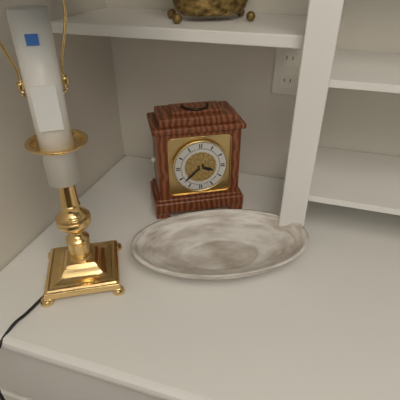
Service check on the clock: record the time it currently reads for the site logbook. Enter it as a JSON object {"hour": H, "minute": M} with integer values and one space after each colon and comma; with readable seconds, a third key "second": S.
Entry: {"hour": 3, "minute": 38}
